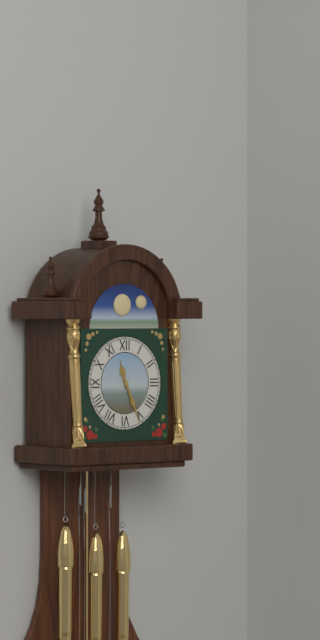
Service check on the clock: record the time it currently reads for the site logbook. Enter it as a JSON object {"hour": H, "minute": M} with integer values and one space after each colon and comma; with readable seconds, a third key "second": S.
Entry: {"hour": 11, "minute": 26}
